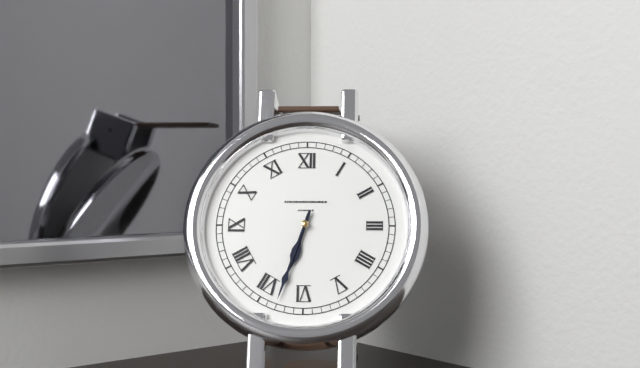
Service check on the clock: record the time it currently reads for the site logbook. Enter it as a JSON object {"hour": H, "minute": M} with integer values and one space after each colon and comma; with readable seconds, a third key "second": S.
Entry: {"hour": 6, "minute": 33}
